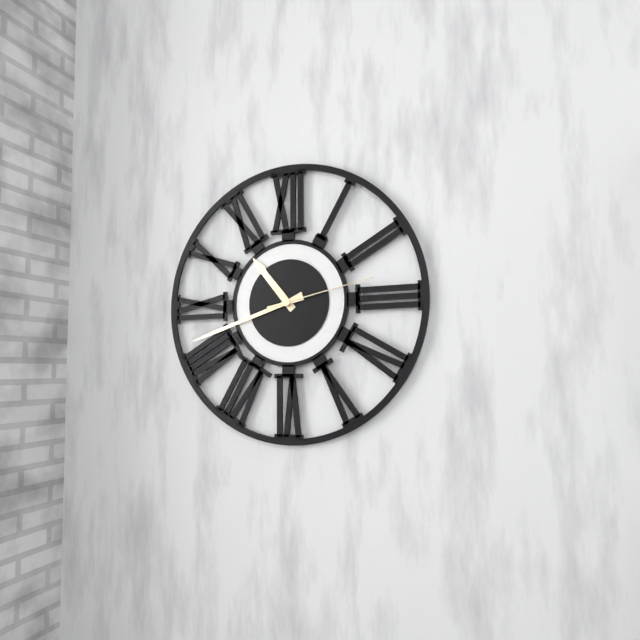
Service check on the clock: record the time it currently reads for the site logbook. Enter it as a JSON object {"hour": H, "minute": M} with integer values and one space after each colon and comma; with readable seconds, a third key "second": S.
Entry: {"hour": 10, "minute": 42, "second": 13}
